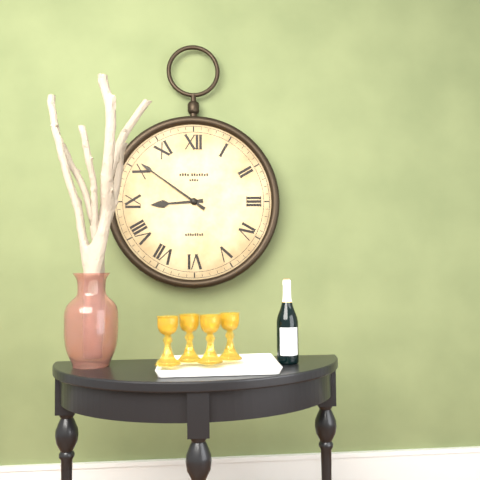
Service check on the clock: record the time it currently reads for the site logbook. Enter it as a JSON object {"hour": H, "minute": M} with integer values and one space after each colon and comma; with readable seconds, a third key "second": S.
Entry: {"hour": 8, "minute": 51}
